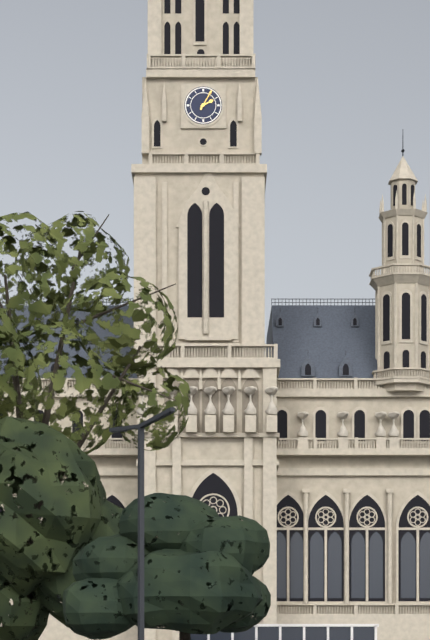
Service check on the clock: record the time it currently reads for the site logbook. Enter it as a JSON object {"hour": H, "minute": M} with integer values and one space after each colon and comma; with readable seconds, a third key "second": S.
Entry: {"hour": 2, "minute": 5}
